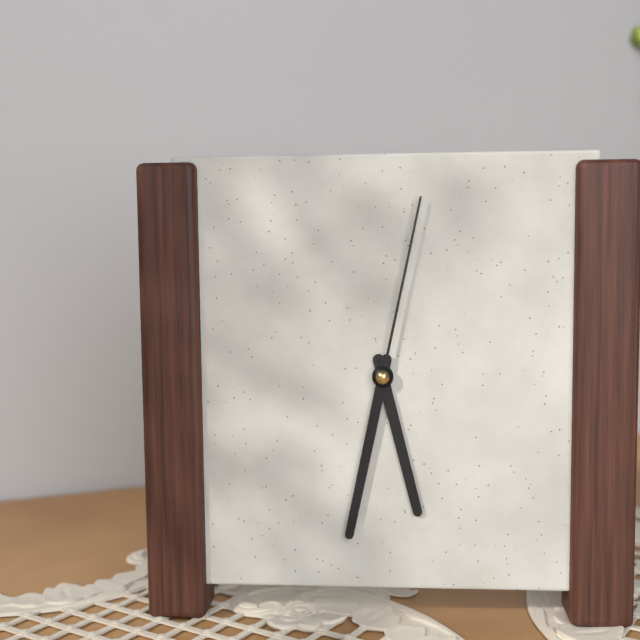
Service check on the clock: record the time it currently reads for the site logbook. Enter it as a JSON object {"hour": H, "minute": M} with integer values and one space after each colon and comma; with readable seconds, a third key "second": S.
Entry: {"hour": 5, "minute": 32, "second": 2}
